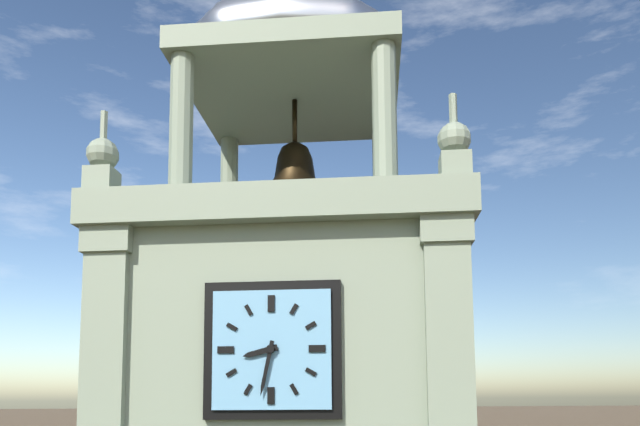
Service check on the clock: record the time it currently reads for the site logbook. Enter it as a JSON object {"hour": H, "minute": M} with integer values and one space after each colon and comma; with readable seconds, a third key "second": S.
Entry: {"hour": 8, "minute": 32}
